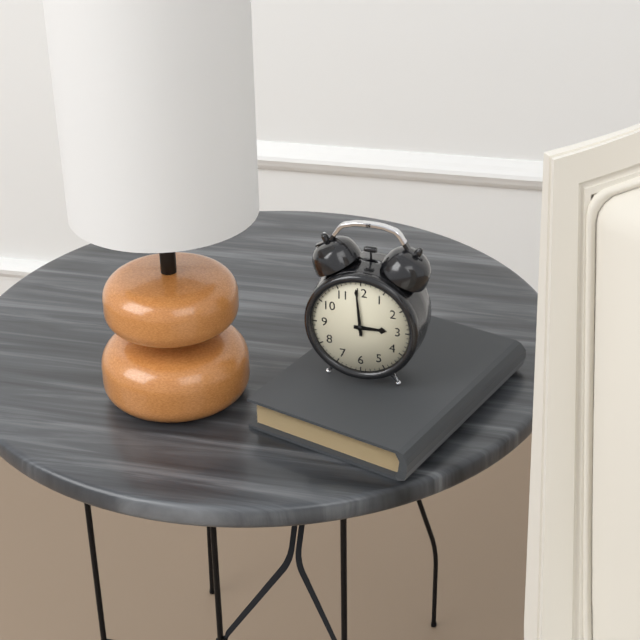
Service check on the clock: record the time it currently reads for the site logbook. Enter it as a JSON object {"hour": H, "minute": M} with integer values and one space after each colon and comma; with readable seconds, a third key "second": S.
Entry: {"hour": 2, "minute": 59}
